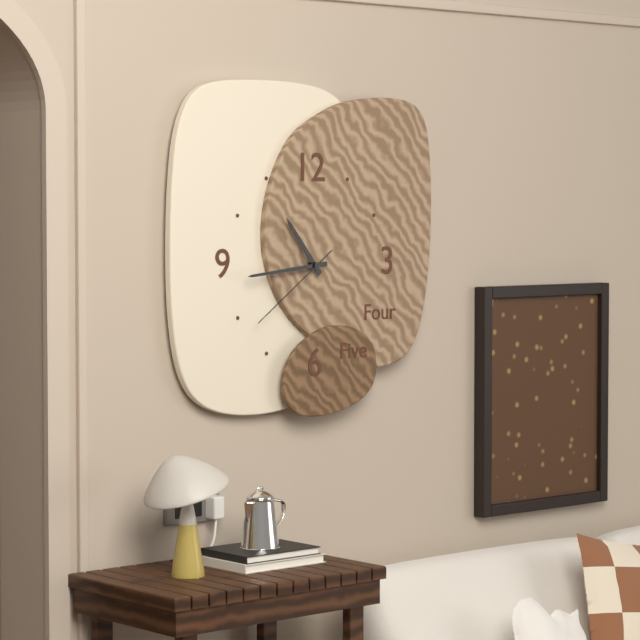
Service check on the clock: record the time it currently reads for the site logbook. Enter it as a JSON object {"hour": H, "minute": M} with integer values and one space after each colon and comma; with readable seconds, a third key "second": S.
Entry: {"hour": 10, "minute": 44, "second": 39}
